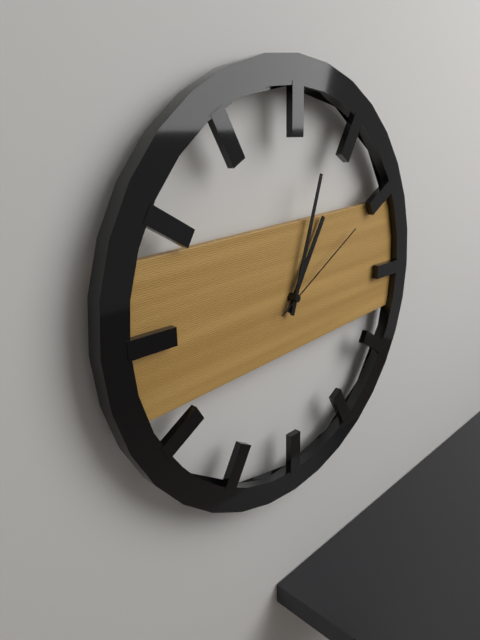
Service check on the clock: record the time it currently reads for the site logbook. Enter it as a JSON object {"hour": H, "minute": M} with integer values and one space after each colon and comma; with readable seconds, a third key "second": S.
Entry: {"hour": 1, "minute": 3, "second": 10}
